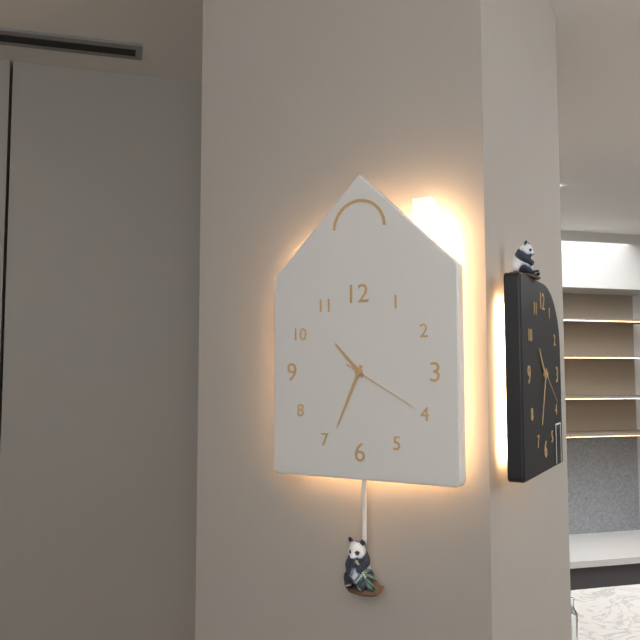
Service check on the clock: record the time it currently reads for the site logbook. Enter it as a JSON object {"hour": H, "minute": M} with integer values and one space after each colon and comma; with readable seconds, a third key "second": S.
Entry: {"hour": 10, "minute": 34, "second": 20}
